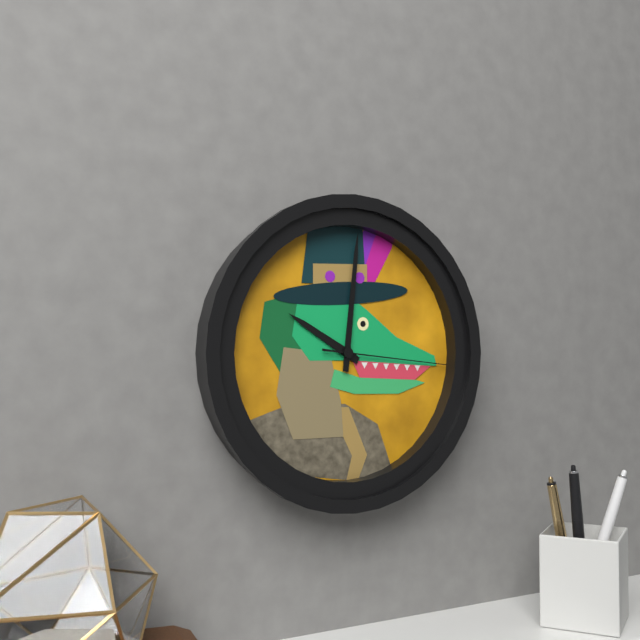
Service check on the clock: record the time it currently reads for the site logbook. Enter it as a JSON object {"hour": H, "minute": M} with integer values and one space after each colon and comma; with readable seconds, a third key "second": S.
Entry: {"hour": 10, "minute": 1, "second": 16}
